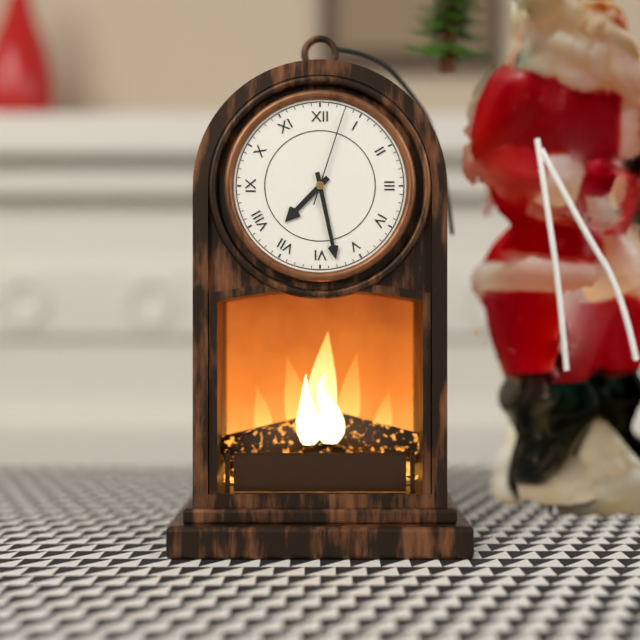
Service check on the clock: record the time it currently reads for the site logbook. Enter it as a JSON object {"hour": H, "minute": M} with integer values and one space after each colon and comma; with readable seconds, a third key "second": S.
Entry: {"hour": 7, "minute": 28, "second": 3}
